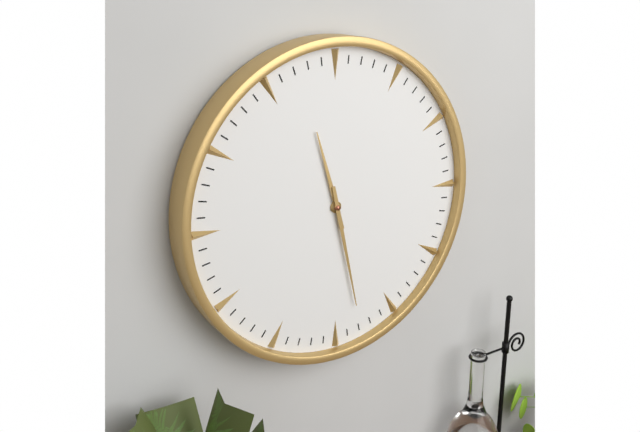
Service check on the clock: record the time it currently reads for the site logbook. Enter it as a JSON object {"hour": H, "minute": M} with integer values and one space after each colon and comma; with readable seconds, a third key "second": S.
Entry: {"hour": 11, "minute": 28}
